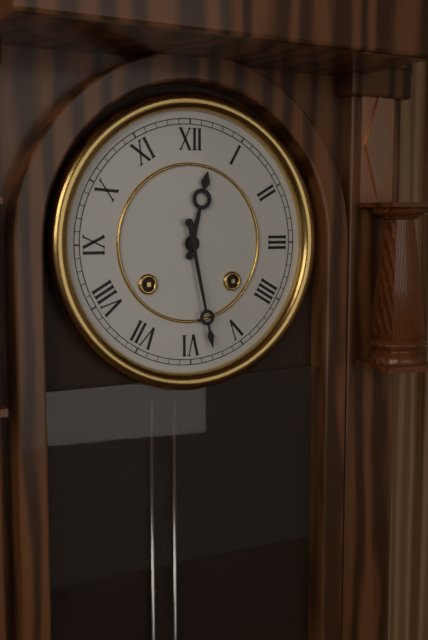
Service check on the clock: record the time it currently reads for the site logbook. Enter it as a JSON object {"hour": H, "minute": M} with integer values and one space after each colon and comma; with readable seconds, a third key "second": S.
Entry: {"hour": 12, "minute": 28}
